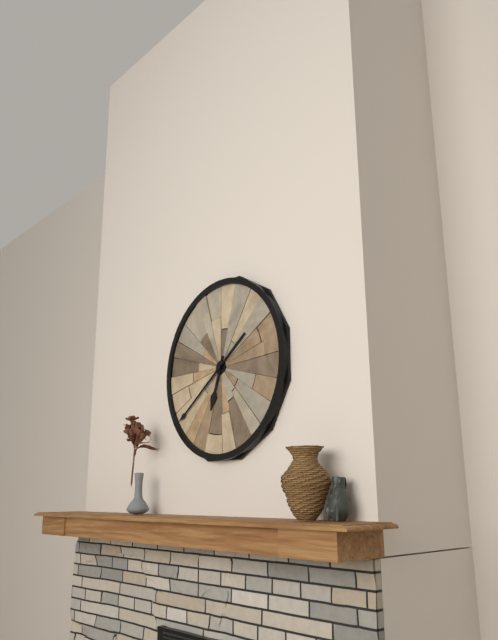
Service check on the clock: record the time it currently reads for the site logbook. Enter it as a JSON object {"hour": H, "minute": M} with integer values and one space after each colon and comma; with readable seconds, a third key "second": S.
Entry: {"hour": 6, "minute": 39}
